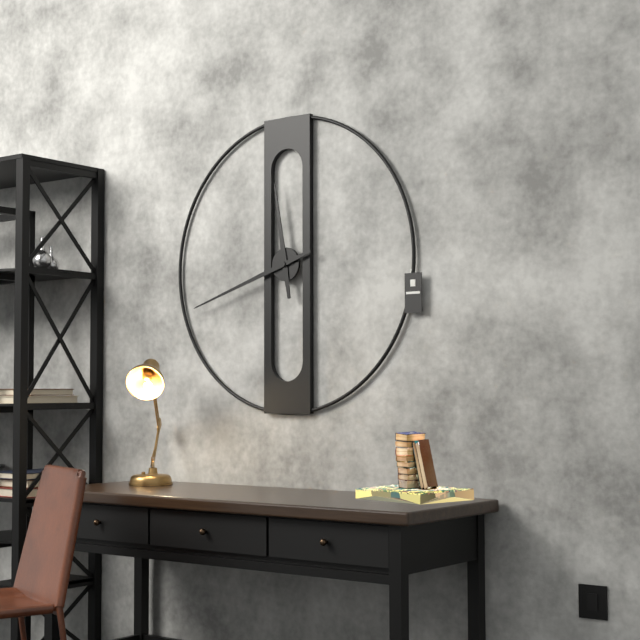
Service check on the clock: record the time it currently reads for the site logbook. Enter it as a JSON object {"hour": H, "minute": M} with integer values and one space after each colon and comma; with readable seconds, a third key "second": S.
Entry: {"hour": 11, "minute": 42}
